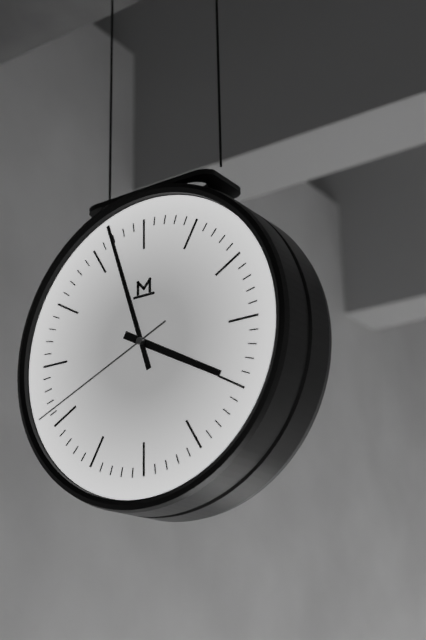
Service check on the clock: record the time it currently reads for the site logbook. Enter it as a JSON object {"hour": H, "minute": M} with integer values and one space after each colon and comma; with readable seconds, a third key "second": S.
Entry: {"hour": 3, "minute": 57, "second": 41}
